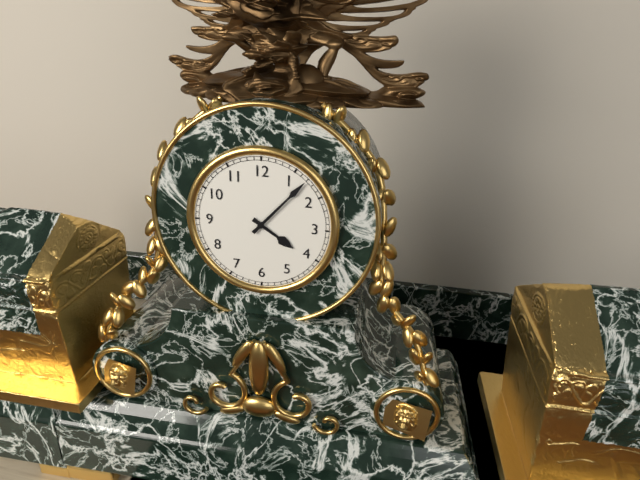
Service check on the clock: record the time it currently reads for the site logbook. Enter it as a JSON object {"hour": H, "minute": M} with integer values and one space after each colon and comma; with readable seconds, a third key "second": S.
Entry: {"hour": 4, "minute": 7}
